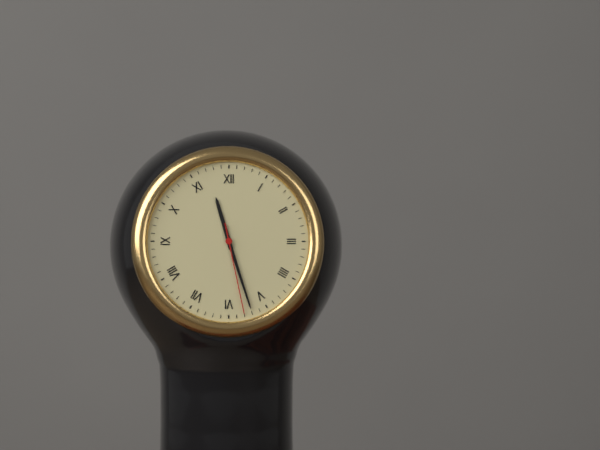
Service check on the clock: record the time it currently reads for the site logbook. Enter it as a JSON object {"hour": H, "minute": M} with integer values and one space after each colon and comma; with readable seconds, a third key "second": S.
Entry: {"hour": 11, "minute": 27, "second": 28}
